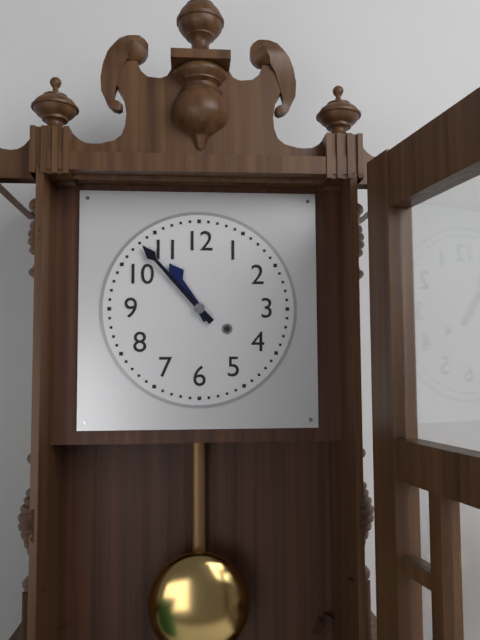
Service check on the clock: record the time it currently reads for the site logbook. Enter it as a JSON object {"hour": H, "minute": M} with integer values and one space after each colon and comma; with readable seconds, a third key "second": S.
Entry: {"hour": 10, "minute": 53}
